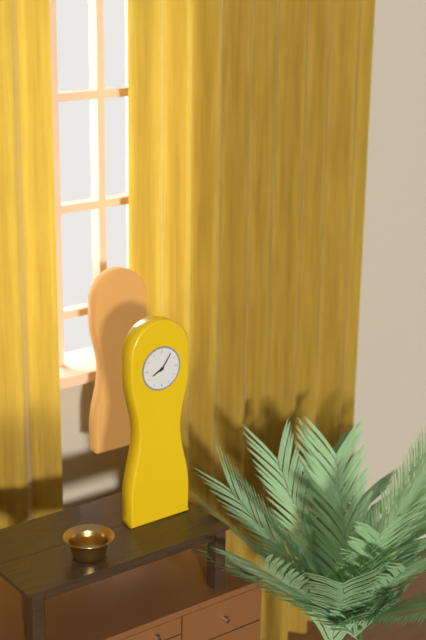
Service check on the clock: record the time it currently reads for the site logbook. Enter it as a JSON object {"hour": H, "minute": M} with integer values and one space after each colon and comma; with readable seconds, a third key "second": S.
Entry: {"hour": 8, "minute": 6}
